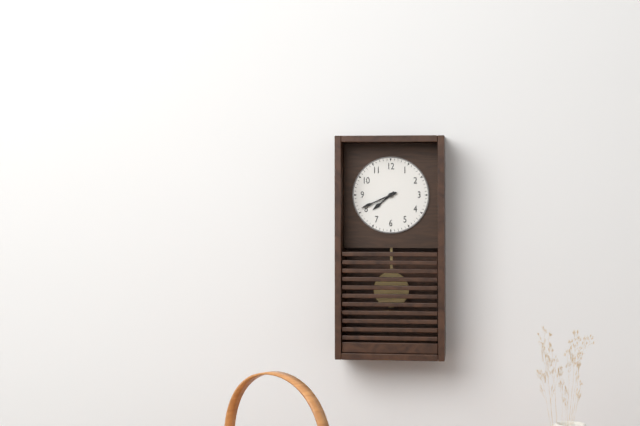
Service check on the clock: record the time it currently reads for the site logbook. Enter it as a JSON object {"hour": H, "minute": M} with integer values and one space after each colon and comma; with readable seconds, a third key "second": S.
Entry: {"hour": 7, "minute": 41}
